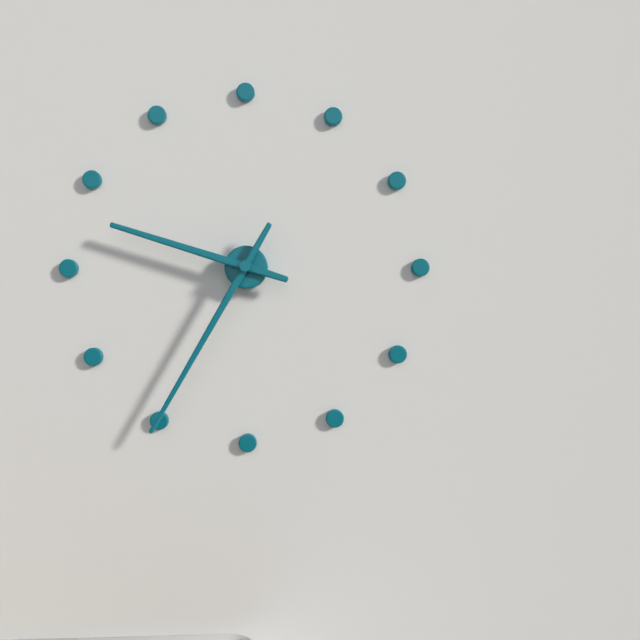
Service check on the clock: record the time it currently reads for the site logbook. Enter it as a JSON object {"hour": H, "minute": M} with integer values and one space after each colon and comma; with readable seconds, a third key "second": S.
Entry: {"hour": 9, "minute": 35}
